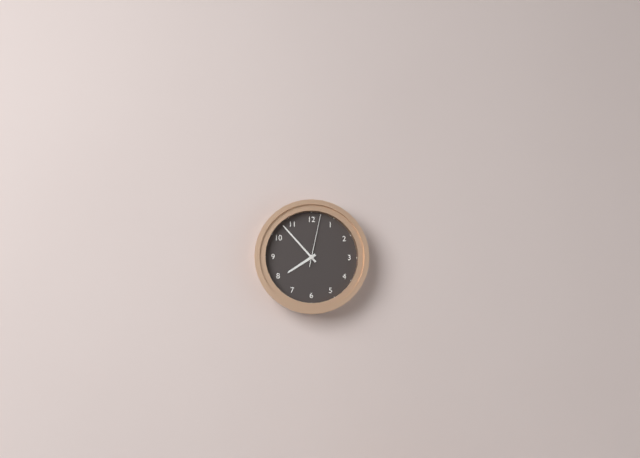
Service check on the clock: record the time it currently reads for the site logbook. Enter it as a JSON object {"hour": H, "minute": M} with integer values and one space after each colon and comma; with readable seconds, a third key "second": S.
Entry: {"hour": 7, "minute": 53, "second": 2}
